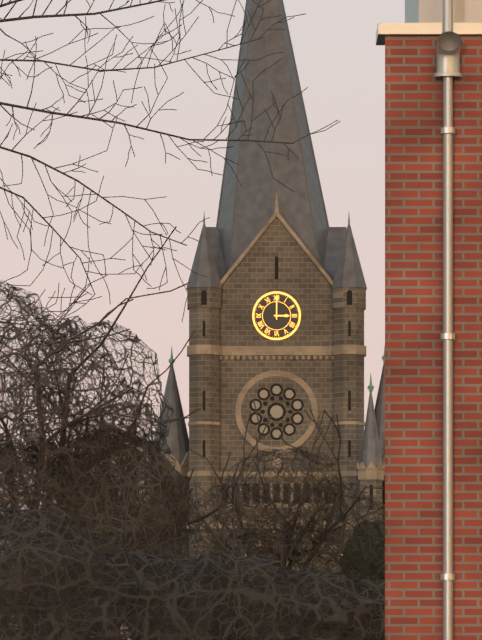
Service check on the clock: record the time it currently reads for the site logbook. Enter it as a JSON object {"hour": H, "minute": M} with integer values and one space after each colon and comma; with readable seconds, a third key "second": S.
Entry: {"hour": 3, "minute": 0}
